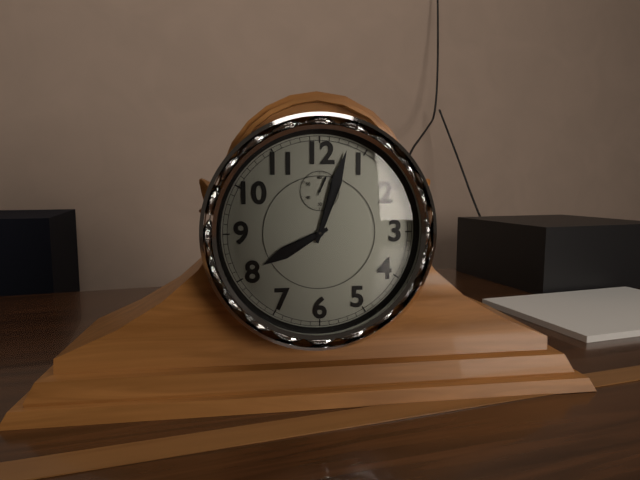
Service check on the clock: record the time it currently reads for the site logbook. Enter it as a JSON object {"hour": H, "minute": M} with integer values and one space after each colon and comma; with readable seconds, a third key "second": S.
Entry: {"hour": 8, "minute": 3}
